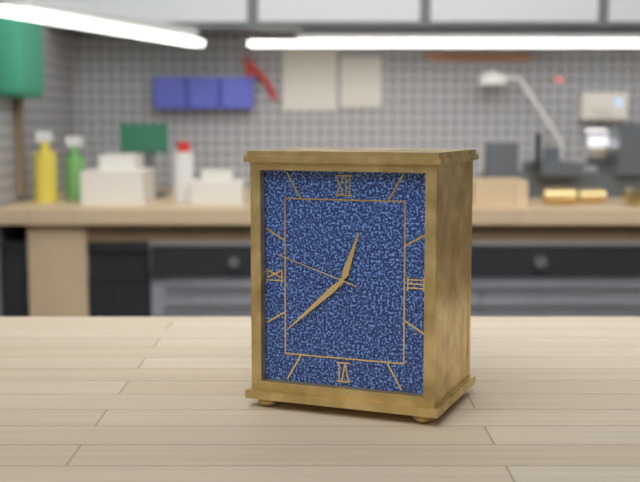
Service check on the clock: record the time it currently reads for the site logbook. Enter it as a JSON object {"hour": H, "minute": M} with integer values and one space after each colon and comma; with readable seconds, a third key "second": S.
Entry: {"hour": 12, "minute": 38, "second": 48}
